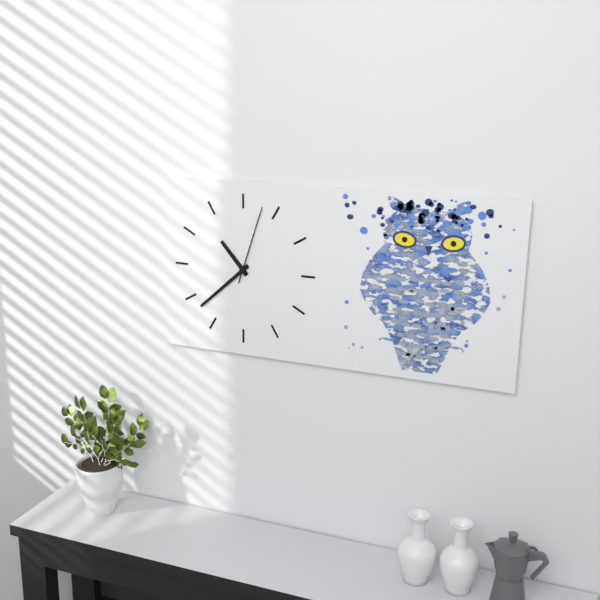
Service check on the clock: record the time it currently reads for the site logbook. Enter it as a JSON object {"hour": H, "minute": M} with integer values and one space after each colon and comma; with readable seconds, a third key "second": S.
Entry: {"hour": 10, "minute": 38, "second": 3}
